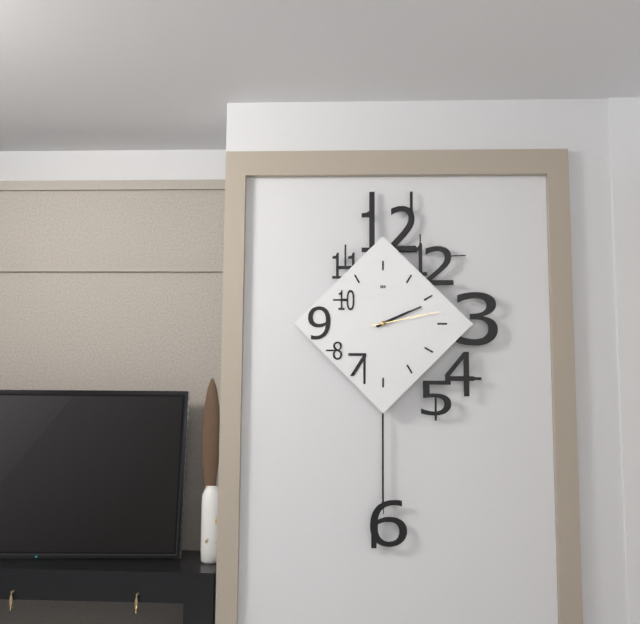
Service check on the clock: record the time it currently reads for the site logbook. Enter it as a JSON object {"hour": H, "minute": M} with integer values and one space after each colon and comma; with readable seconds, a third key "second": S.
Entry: {"hour": 2, "minute": 11, "second": 13}
